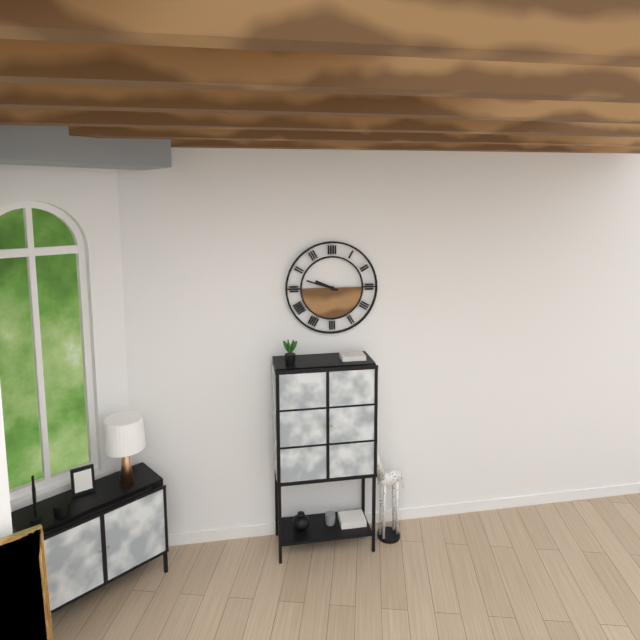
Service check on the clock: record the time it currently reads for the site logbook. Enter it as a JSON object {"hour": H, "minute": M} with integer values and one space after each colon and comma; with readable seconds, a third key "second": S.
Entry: {"hour": 9, "minute": 48}
